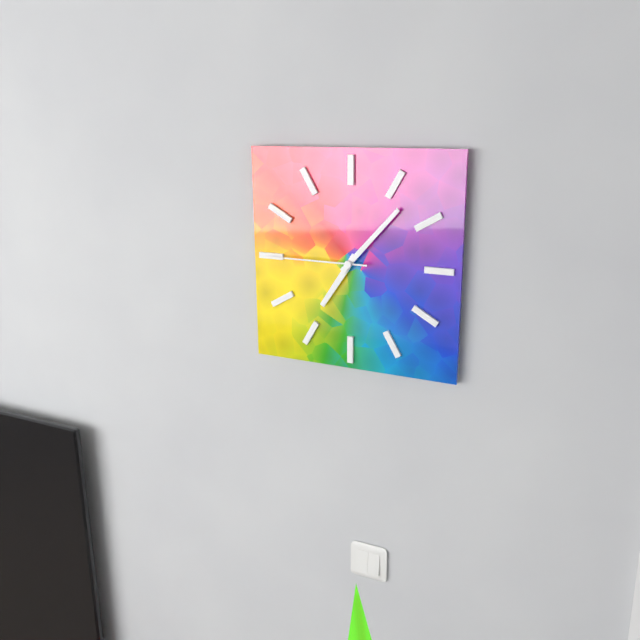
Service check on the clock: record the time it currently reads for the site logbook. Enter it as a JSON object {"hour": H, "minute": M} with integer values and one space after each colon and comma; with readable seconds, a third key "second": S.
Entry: {"hour": 7, "minute": 7, "second": 45}
